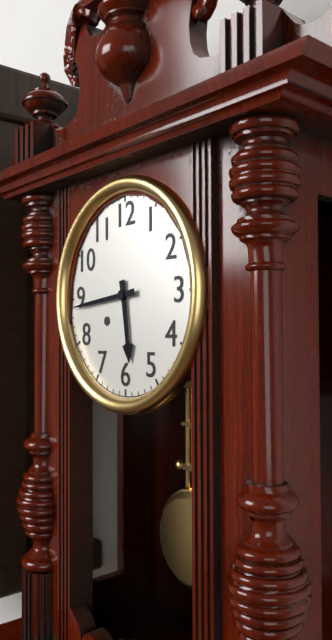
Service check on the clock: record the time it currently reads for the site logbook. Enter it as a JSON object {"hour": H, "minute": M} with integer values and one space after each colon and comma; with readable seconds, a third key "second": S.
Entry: {"hour": 5, "minute": 44}
